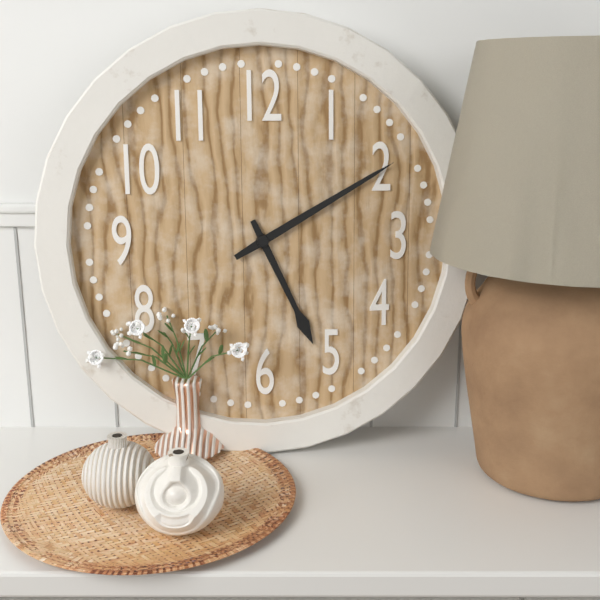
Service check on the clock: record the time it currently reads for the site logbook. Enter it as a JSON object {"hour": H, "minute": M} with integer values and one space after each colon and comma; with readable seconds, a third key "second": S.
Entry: {"hour": 5, "minute": 10}
